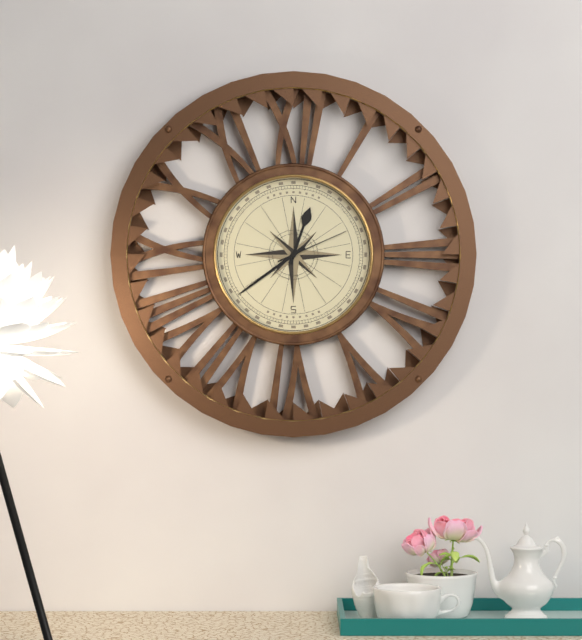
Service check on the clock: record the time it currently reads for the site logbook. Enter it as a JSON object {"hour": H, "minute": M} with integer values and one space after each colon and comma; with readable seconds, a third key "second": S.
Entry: {"hour": 12, "minute": 39, "second": 11}
